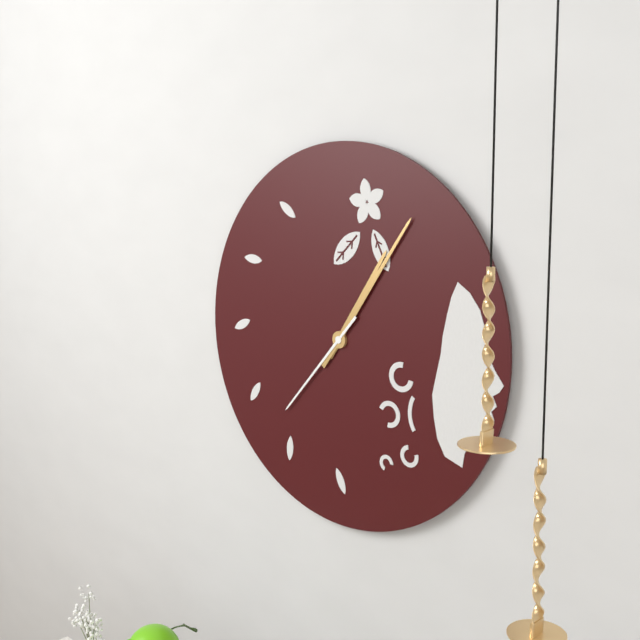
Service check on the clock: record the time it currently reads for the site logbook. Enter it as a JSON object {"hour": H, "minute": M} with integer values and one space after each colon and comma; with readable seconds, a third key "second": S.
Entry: {"hour": 1, "minute": 6, "second": 37}
